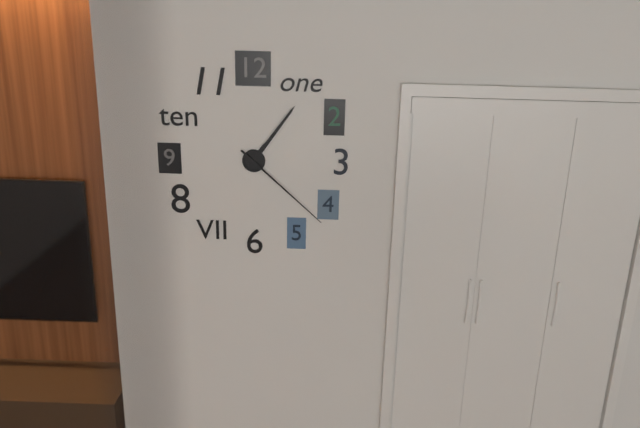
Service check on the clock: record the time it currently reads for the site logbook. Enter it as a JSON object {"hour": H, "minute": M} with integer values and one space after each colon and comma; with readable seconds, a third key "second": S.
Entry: {"hour": 1, "minute": 6, "second": 22}
